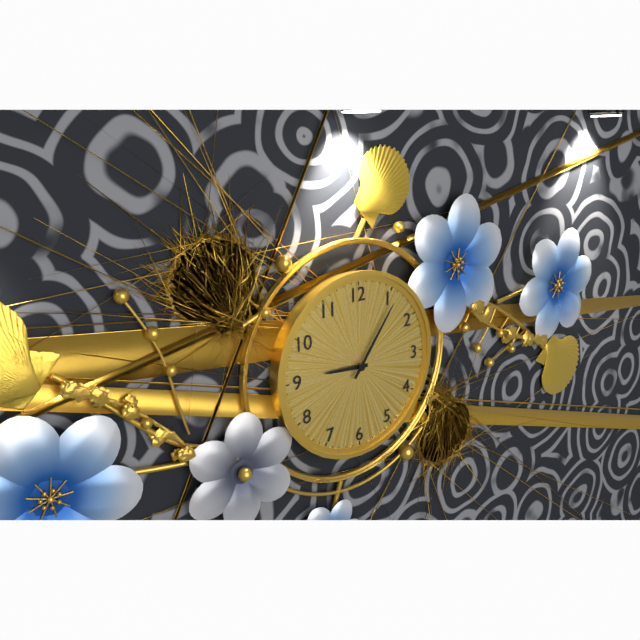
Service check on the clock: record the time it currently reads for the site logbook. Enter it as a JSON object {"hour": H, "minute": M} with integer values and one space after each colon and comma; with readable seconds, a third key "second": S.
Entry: {"hour": 9, "minute": 6}
